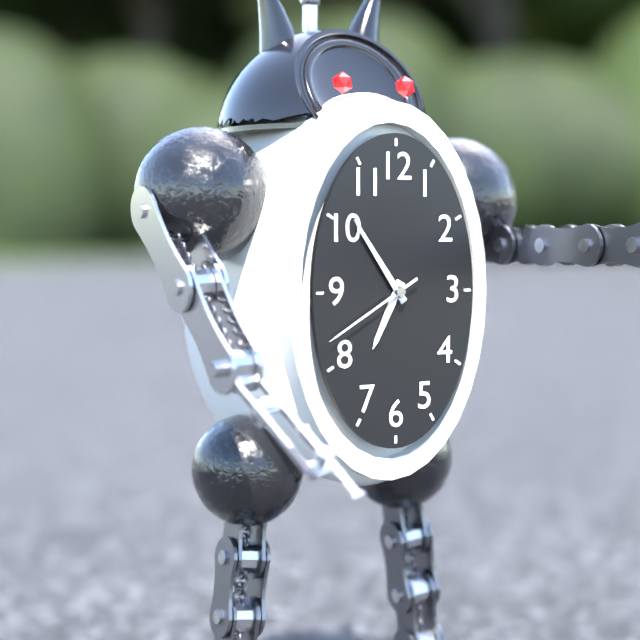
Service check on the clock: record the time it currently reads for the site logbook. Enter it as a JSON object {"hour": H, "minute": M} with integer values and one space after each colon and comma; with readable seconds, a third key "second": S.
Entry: {"hour": 6, "minute": 54, "second": 40}
